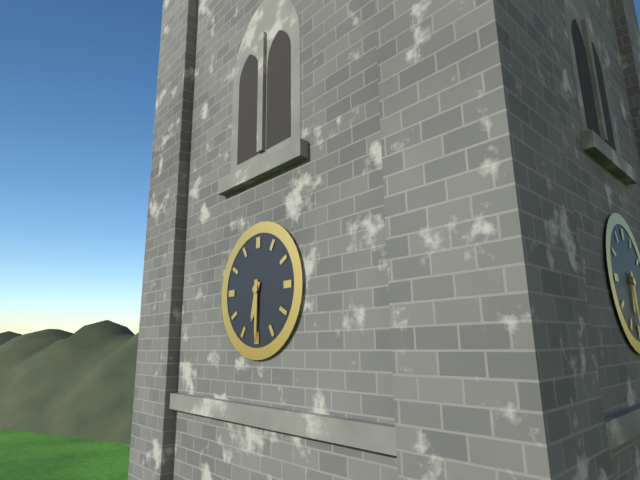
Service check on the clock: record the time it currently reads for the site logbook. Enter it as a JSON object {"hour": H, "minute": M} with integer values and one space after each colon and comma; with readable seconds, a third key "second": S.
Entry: {"hour": 6, "minute": 30}
